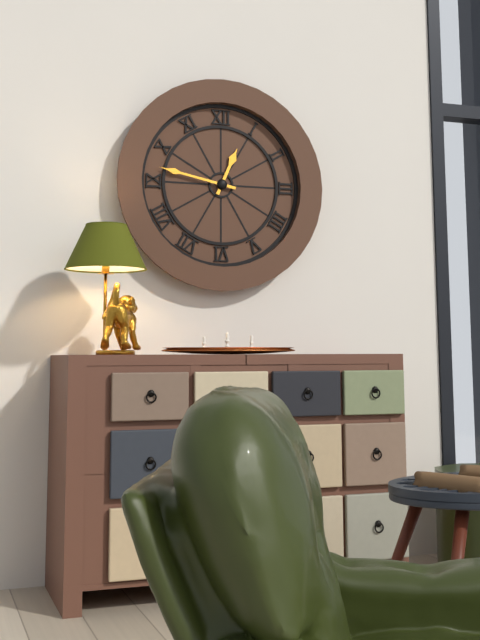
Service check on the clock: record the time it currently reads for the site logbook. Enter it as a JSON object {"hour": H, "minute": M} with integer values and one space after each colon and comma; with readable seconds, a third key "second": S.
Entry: {"hour": 12, "minute": 47}
